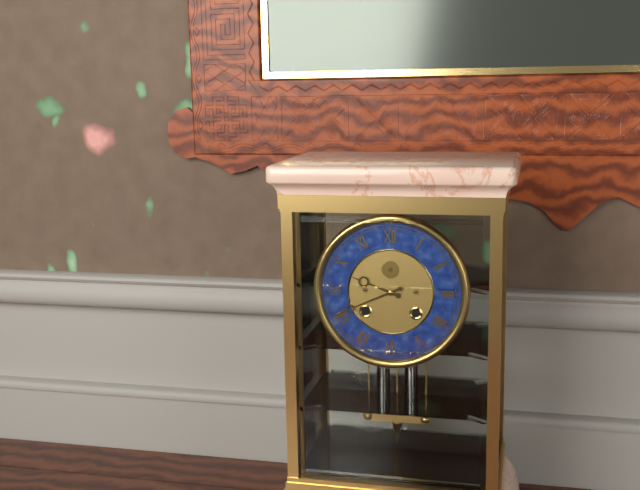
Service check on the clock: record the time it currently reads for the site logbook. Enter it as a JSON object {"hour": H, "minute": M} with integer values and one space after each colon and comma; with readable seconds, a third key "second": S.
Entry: {"hour": 9, "minute": 41}
